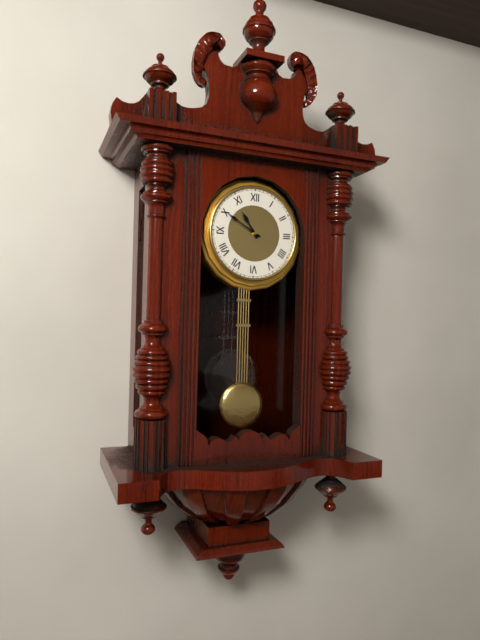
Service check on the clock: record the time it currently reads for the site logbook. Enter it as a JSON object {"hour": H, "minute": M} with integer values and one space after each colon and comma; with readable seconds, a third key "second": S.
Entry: {"hour": 10, "minute": 50}
